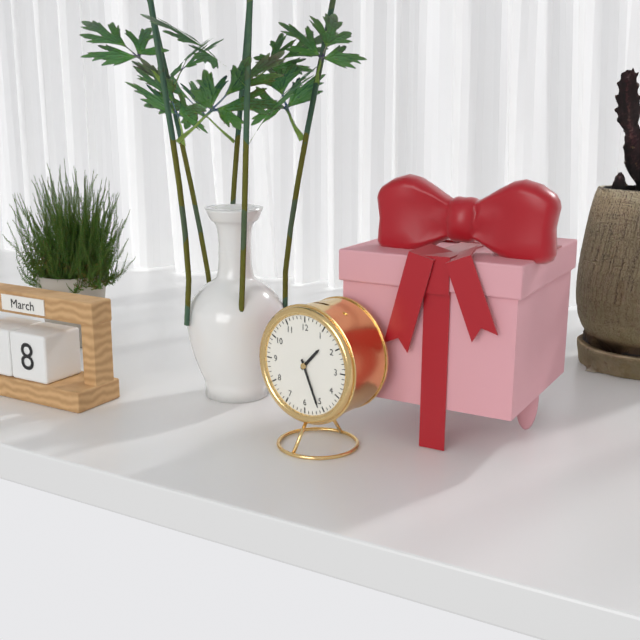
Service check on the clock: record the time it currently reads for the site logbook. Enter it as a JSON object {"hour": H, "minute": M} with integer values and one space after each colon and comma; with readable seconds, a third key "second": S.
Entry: {"hour": 1, "minute": 26}
